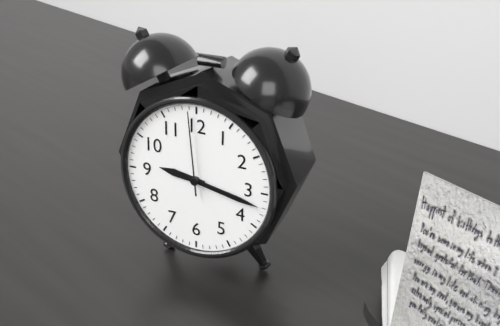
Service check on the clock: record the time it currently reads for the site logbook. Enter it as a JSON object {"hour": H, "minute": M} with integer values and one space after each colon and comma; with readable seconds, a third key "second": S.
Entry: {"hour": 9, "minute": 17, "second": 59}
